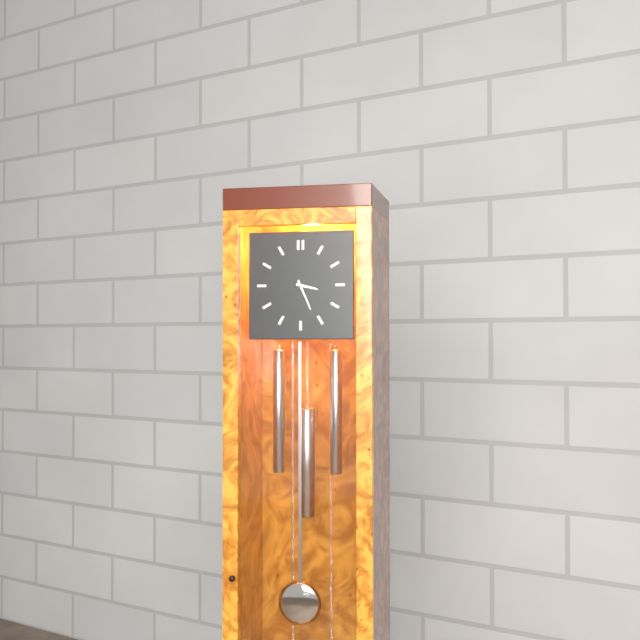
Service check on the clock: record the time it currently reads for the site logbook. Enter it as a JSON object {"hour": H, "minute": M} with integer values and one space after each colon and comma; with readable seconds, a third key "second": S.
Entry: {"hour": 3, "minute": 26}
